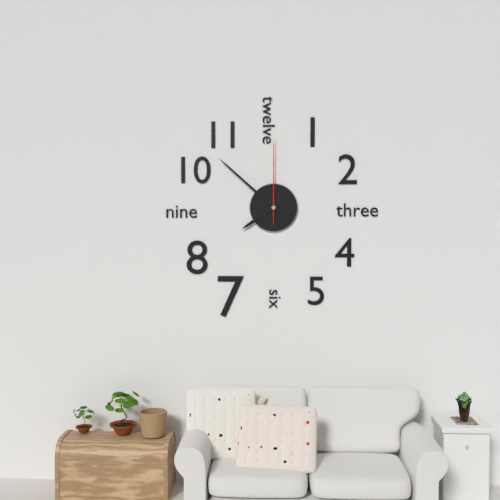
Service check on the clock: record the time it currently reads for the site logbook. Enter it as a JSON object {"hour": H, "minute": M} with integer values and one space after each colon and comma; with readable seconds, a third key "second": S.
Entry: {"hour": 7, "minute": 52, "second": 0}
